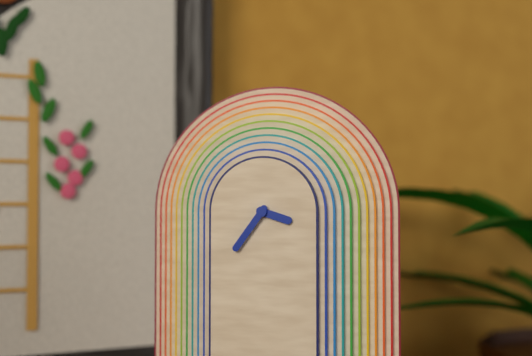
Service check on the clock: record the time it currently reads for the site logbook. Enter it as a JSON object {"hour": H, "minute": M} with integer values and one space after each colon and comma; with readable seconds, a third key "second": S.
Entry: {"hour": 3, "minute": 36}
